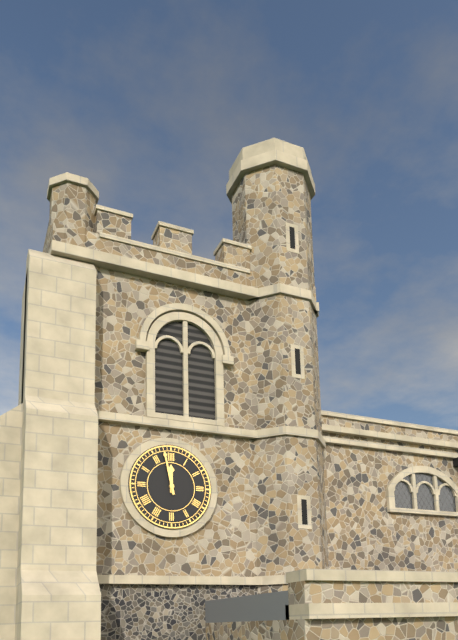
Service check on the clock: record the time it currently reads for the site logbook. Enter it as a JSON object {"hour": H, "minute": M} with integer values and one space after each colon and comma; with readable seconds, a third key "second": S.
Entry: {"hour": 11, "minute": 58}
